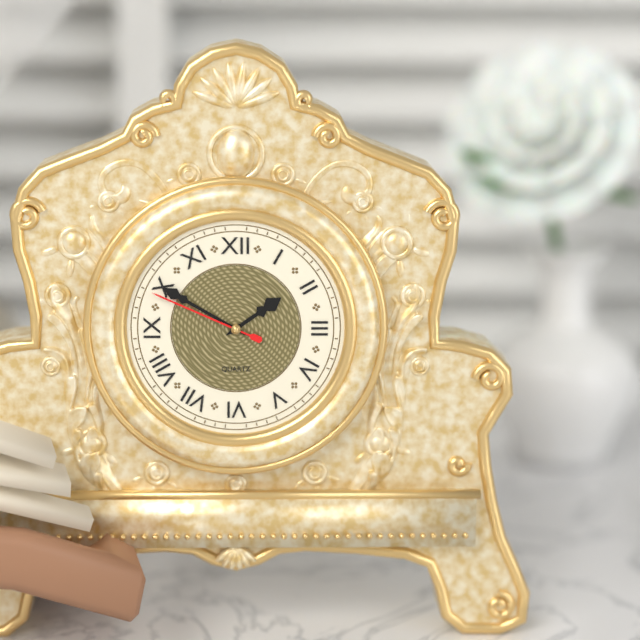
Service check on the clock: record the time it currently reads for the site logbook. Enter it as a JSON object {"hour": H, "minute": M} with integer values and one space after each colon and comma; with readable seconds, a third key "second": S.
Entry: {"hour": 1, "minute": 50, "second": 49}
